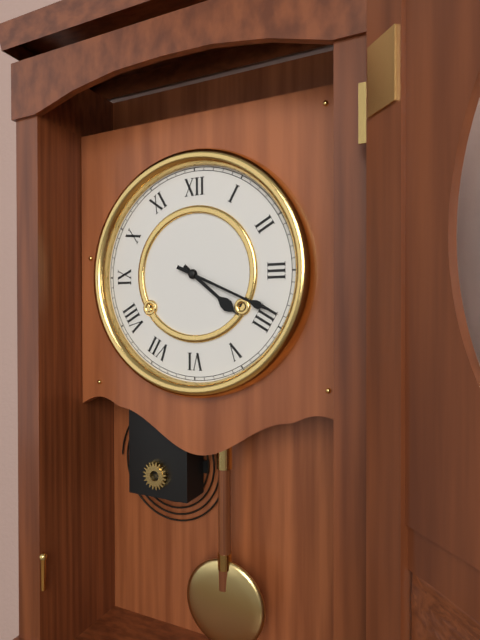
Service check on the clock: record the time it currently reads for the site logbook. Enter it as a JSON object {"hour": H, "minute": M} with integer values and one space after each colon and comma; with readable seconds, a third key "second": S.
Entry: {"hour": 4, "minute": 19}
